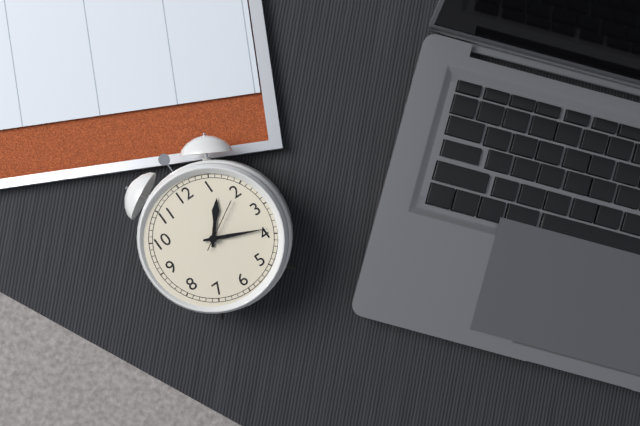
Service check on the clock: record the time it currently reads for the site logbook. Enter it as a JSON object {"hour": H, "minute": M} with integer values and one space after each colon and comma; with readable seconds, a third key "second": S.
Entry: {"hour": 1, "minute": 19, "second": 10}
